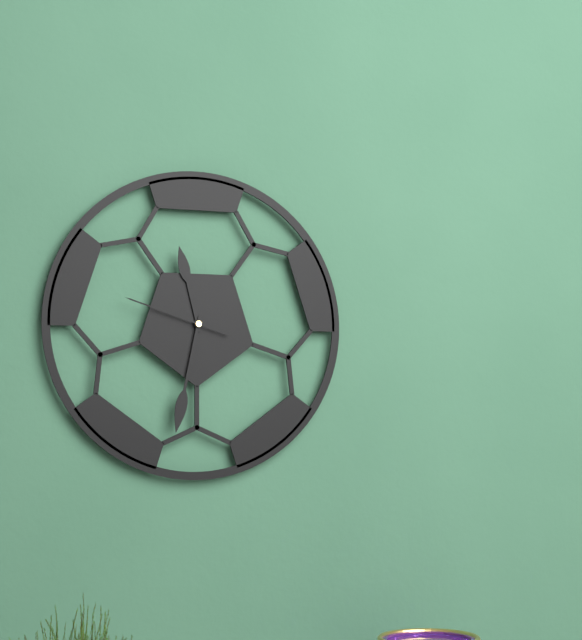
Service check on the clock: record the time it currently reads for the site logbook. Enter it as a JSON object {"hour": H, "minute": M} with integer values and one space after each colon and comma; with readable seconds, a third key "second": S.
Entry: {"hour": 11, "minute": 32, "second": 48}
